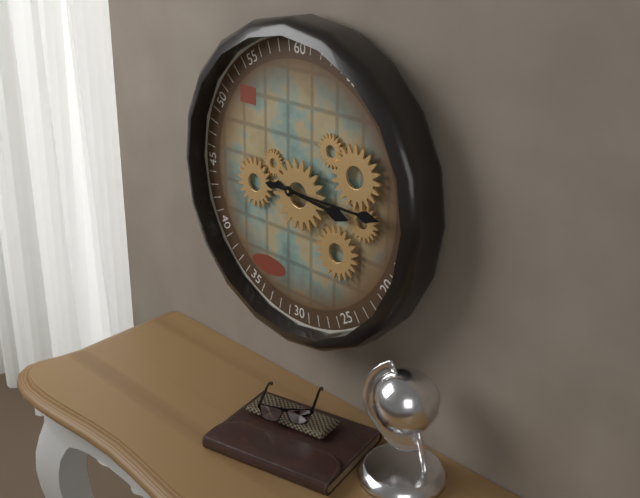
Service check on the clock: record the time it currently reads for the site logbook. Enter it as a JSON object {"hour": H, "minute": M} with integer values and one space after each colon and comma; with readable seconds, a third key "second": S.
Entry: {"hour": 3, "minute": 15}
